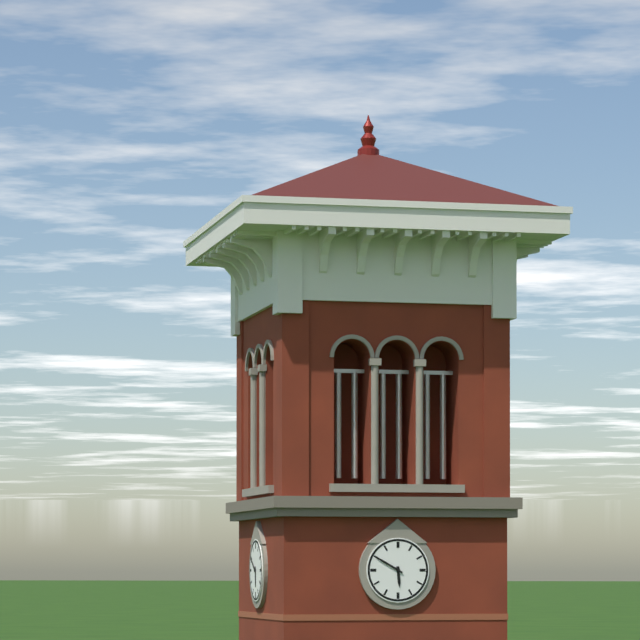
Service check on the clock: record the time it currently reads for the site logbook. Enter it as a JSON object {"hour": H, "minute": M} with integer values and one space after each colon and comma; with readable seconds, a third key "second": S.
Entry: {"hour": 5, "minute": 50}
